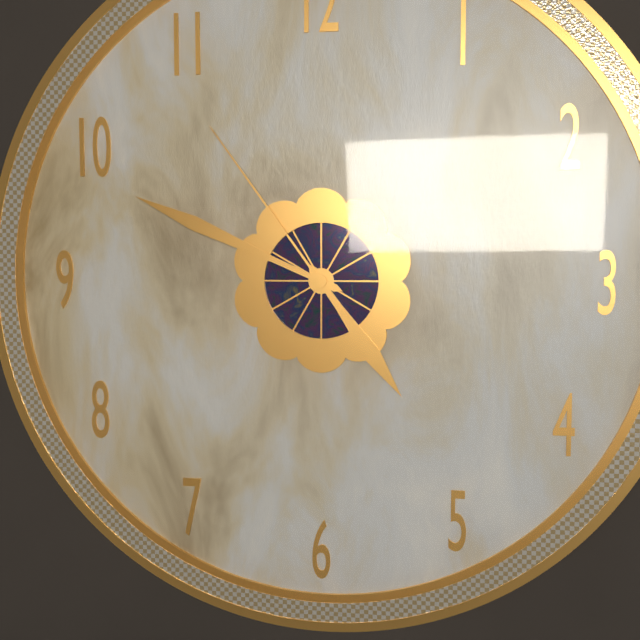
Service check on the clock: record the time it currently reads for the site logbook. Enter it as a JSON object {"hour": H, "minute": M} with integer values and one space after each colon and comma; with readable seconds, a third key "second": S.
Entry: {"hour": 4, "minute": 49, "second": 54}
